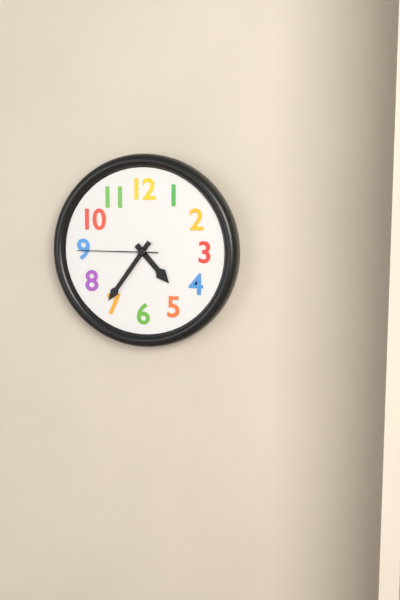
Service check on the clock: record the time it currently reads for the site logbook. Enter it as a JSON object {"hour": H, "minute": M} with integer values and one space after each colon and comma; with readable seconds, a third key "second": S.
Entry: {"hour": 4, "minute": 36, "second": 45}
